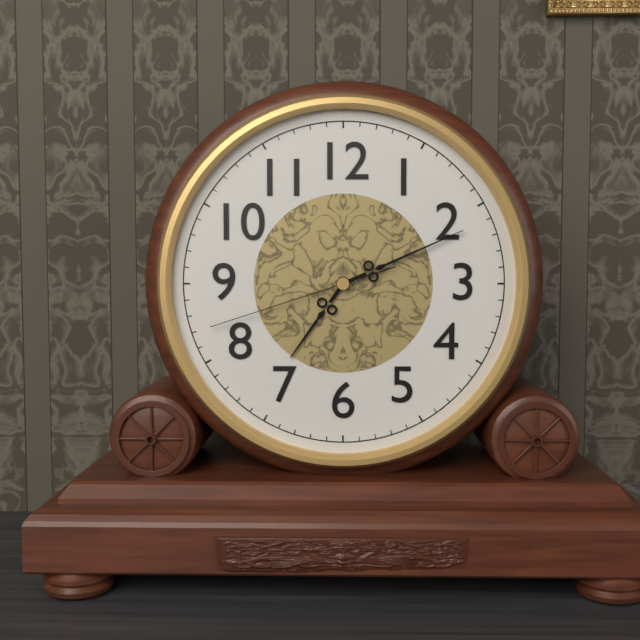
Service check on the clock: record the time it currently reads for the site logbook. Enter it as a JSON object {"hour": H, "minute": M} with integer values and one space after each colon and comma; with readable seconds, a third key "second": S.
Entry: {"hour": 7, "minute": 11, "second": 42}
